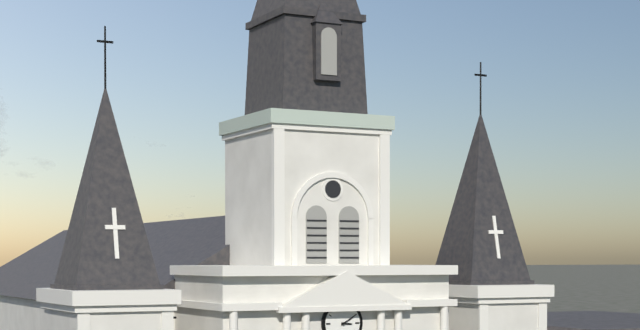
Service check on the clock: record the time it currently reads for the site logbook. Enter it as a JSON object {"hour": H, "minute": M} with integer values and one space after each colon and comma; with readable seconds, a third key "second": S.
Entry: {"hour": 3, "minute": 10}
